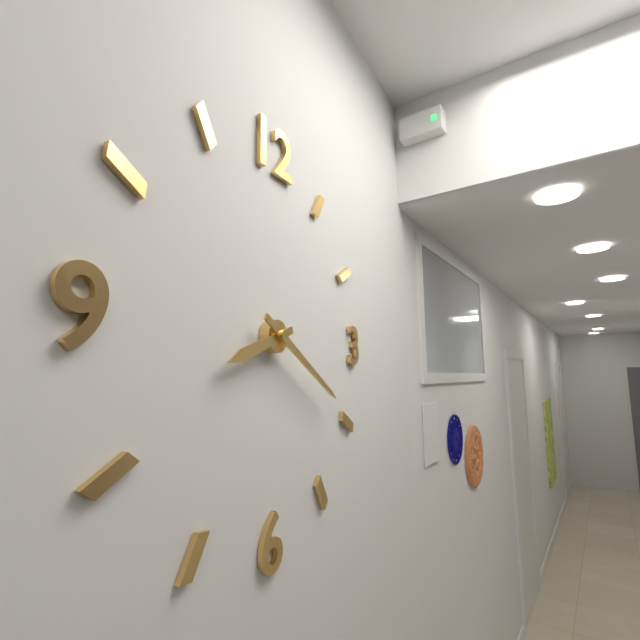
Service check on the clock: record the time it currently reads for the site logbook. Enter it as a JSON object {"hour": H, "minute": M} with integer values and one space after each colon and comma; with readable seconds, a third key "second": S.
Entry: {"hour": 8, "minute": 20}
